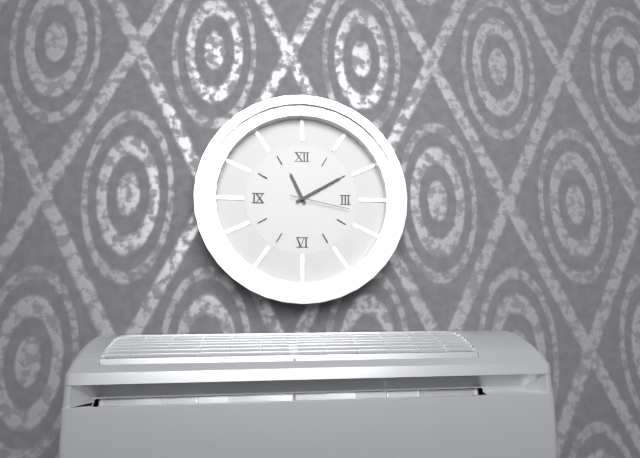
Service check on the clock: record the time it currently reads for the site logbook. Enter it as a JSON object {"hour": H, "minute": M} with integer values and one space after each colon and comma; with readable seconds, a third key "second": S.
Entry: {"hour": 11, "minute": 10, "second": 17}
